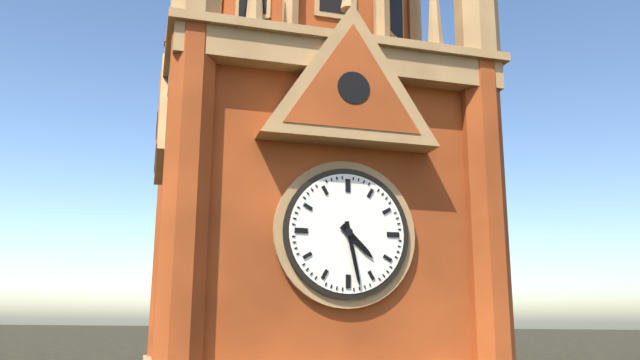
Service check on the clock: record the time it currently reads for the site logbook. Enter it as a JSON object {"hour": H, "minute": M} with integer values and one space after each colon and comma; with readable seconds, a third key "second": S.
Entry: {"hour": 4, "minute": 28}
